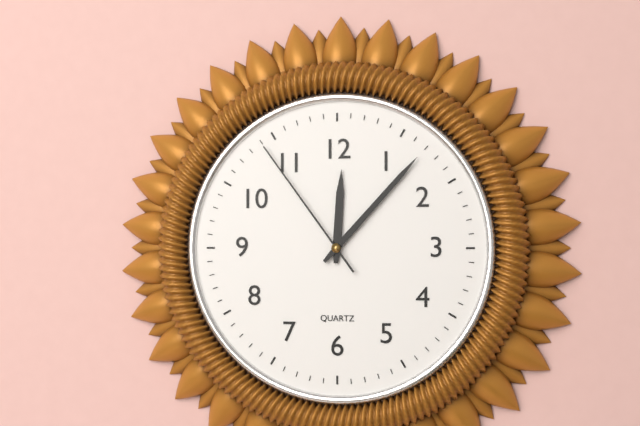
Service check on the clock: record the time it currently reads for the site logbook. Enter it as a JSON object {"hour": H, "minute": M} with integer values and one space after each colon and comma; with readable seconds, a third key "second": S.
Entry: {"hour": 12, "minute": 7, "second": 54}
